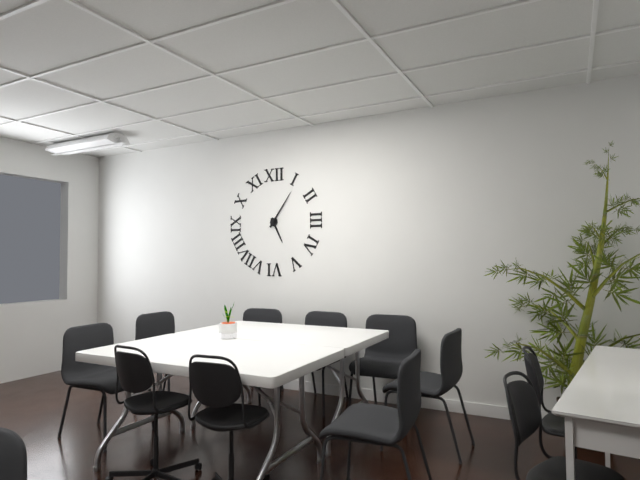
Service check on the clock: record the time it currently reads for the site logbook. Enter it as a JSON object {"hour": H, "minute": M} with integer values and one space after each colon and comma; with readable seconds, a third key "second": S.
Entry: {"hour": 5, "minute": 6}
